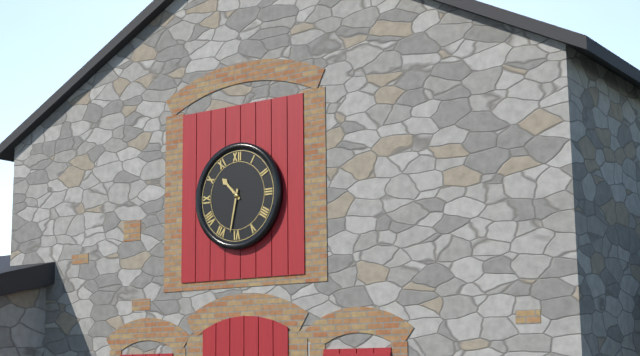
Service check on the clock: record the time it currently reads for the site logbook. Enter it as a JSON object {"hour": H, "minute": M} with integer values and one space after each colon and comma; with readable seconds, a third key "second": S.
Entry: {"hour": 10, "minute": 32}
